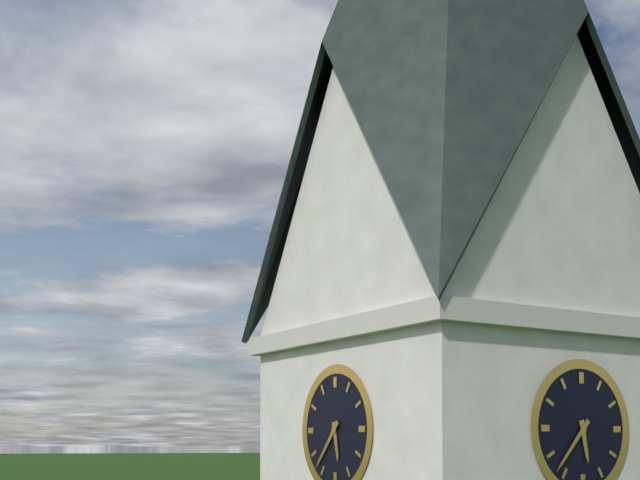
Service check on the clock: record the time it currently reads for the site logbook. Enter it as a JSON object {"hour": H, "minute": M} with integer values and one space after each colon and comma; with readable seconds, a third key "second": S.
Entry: {"hour": 5, "minute": 37}
